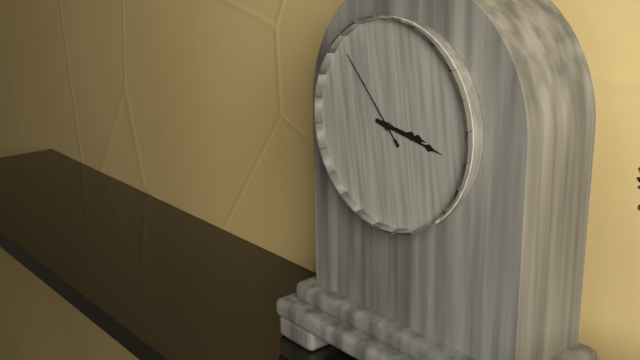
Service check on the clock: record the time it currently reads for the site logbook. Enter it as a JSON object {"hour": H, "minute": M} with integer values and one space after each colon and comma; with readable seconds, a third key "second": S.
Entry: {"hour": 3, "minute": 17, "second": 53}
